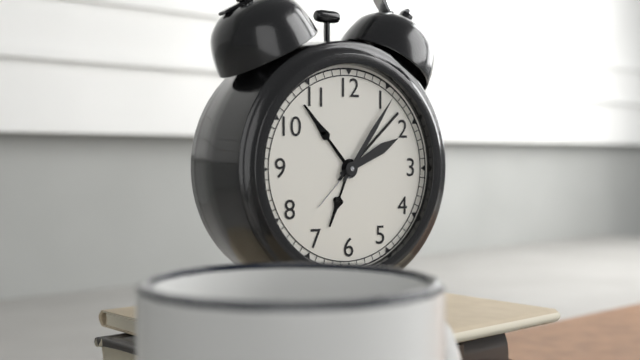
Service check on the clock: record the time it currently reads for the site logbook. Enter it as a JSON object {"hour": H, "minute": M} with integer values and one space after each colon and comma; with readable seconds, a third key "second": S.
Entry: {"hour": 2, "minute": 6}
